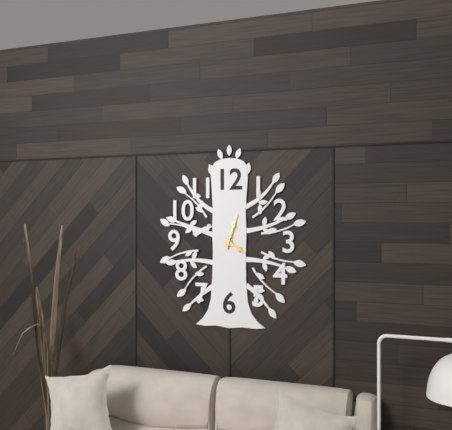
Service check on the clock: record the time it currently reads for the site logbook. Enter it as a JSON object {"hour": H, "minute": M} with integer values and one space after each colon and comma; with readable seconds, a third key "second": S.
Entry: {"hour": 4, "minute": 3}
